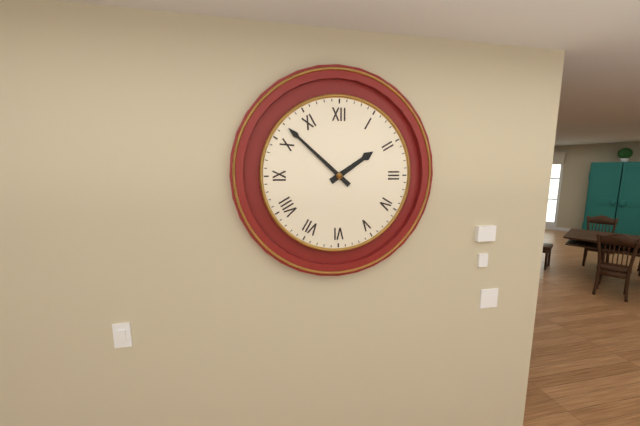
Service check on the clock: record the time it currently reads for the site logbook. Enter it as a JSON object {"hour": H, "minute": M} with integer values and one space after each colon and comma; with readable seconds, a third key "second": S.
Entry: {"hour": 1, "minute": 52}
